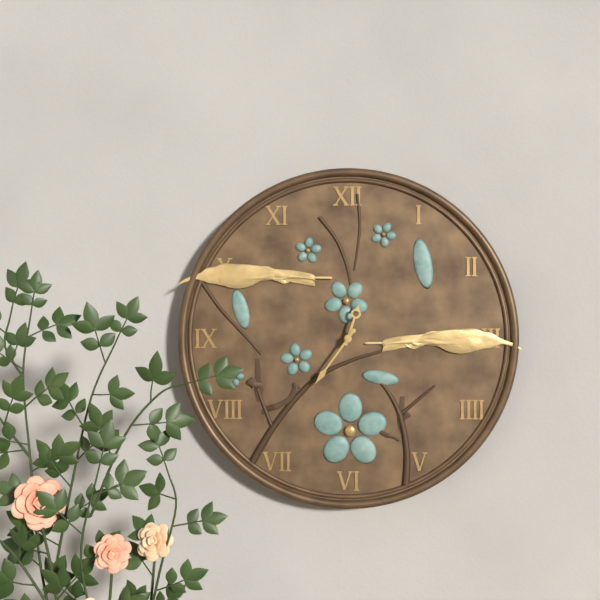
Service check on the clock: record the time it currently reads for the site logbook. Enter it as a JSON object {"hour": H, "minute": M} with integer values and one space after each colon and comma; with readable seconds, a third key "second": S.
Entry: {"hour": 12, "minute": 36}
